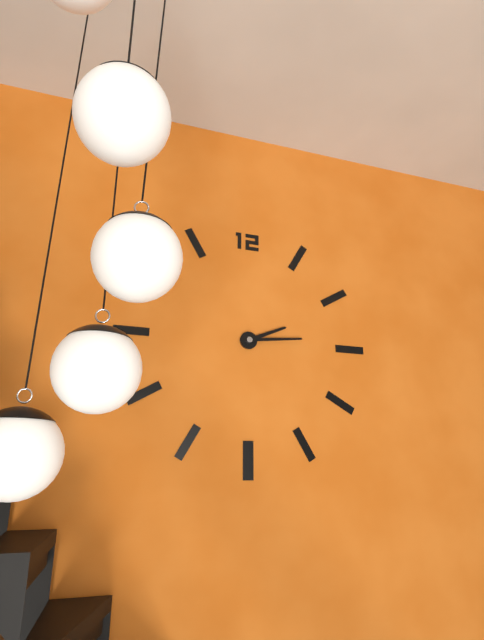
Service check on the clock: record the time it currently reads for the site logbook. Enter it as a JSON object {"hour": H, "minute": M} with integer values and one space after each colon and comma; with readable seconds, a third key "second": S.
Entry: {"hour": 2, "minute": 14}
